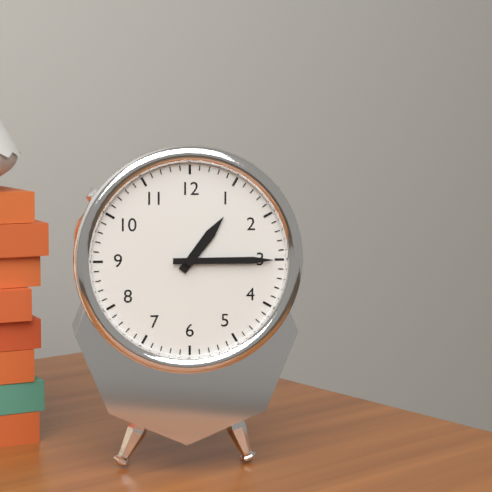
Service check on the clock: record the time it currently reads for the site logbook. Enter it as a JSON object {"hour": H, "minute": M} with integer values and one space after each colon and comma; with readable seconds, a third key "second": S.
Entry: {"hour": 1, "minute": 15}
